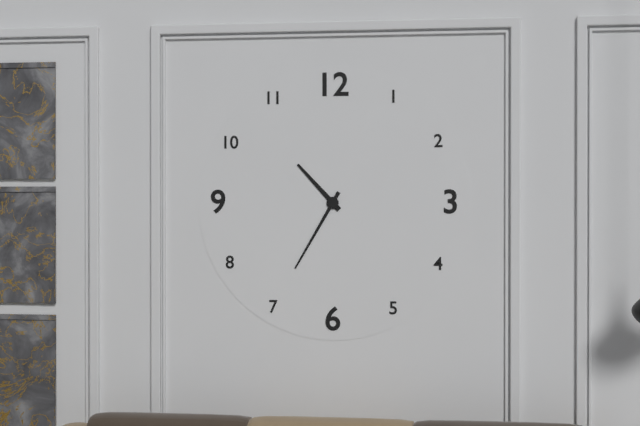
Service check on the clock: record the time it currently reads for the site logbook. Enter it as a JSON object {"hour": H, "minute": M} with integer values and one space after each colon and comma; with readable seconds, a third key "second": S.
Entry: {"hour": 10, "minute": 35}
